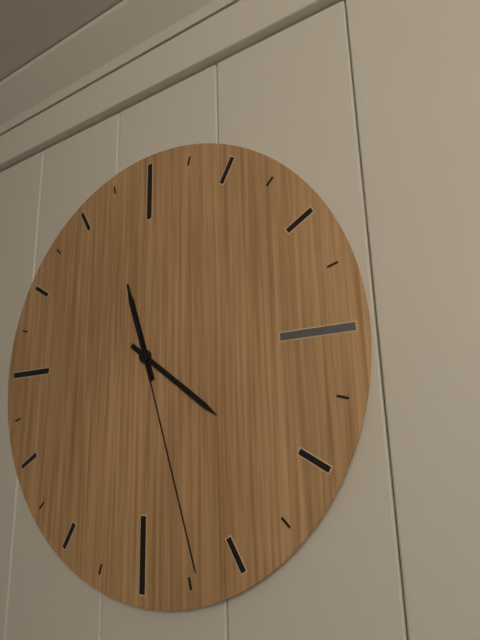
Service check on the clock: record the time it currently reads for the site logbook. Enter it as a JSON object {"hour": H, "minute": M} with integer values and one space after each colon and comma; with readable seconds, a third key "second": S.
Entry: {"hour": 11, "minute": 21, "second": 27}
